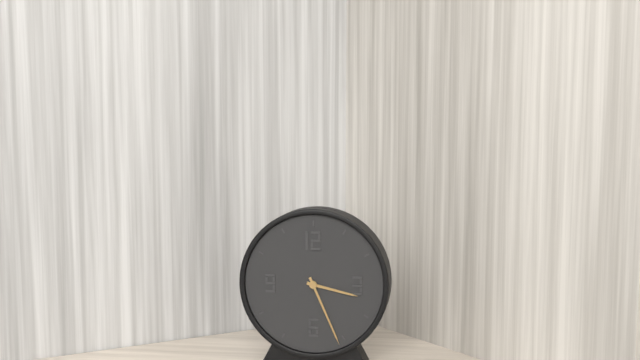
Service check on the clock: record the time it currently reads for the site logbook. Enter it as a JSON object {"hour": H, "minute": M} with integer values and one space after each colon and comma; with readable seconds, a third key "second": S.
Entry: {"hour": 3, "minute": 26}
